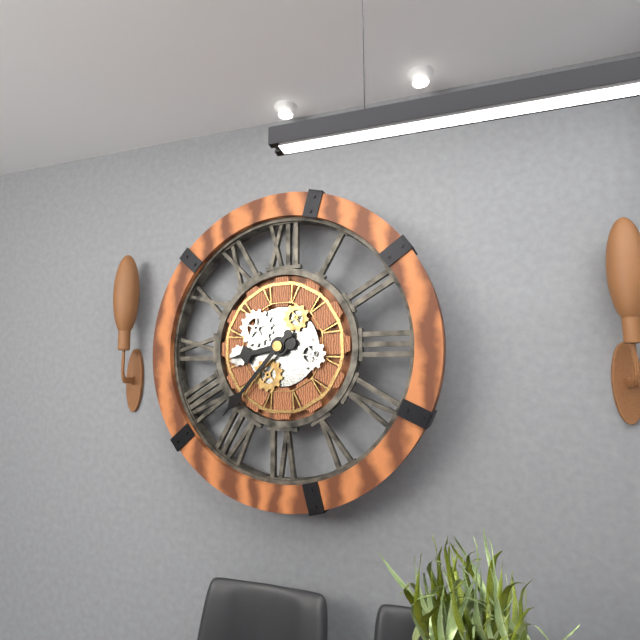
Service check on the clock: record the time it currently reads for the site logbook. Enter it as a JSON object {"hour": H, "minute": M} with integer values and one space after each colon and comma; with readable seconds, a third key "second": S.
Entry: {"hour": 8, "minute": 37}
